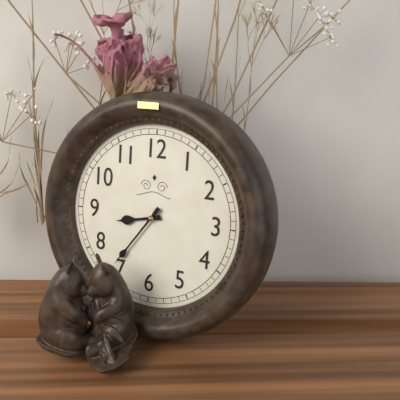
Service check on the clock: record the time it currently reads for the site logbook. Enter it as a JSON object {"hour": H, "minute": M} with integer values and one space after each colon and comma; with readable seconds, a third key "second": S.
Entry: {"hour": 8, "minute": 36}
